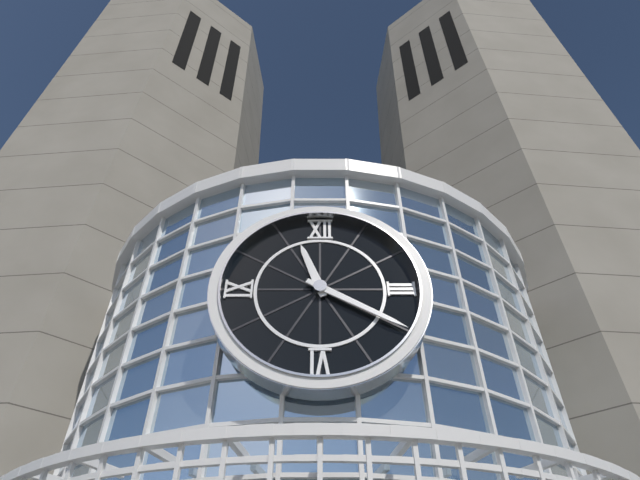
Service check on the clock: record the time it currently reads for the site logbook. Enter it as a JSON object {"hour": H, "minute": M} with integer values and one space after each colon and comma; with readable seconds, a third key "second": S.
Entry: {"hour": 11, "minute": 20}
